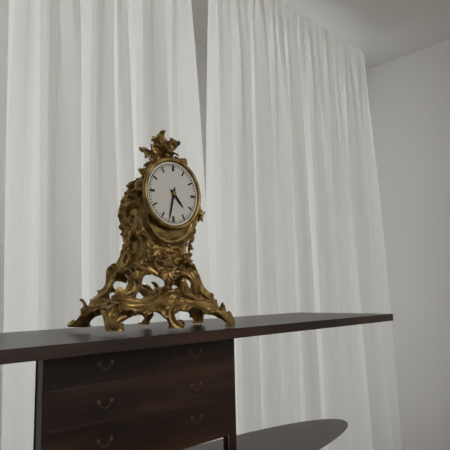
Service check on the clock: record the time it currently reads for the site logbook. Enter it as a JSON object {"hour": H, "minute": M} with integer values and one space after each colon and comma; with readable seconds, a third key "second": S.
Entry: {"hour": 4, "minute": 32}
